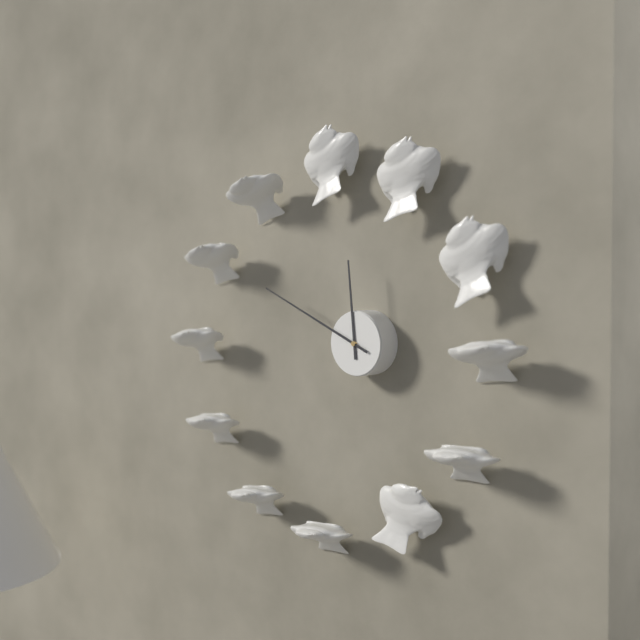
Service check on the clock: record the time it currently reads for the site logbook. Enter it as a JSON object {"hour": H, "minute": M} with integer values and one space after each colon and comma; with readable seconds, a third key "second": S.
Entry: {"hour": 11, "minute": 49}
